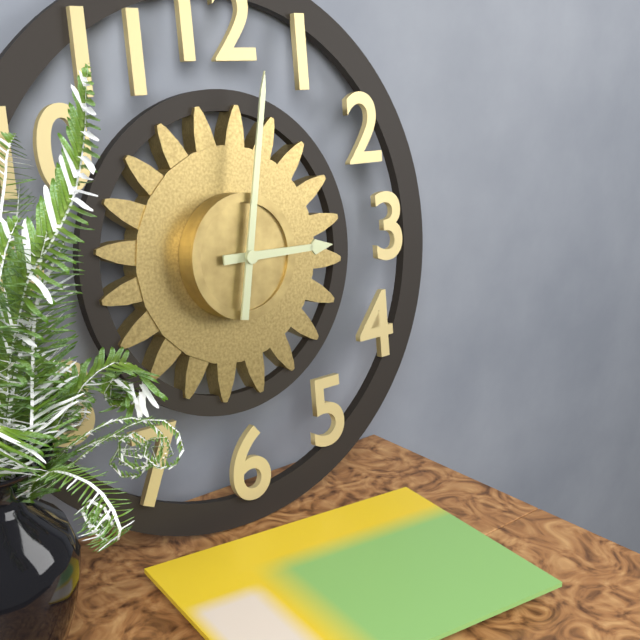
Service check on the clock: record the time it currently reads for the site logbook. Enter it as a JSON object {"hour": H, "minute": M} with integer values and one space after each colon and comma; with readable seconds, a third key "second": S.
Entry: {"hour": 3, "minute": 2}
